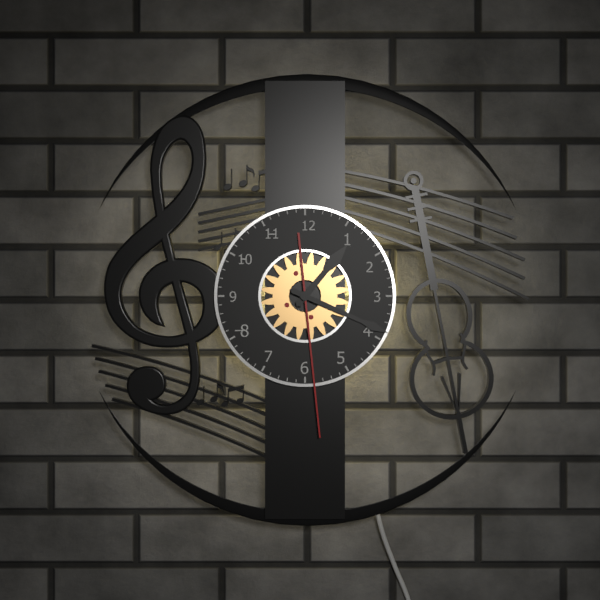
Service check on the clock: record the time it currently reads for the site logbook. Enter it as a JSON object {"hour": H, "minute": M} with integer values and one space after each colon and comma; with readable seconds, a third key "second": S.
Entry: {"hour": 1, "minute": 19, "second": 29}
